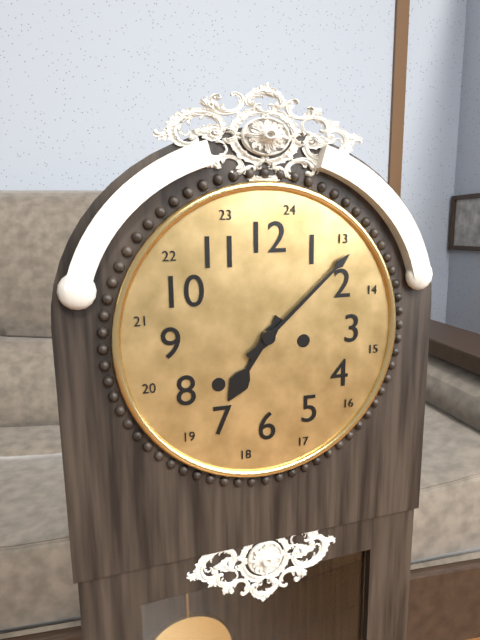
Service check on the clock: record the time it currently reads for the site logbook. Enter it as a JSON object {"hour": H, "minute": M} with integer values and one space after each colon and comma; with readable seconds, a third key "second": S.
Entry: {"hour": 7, "minute": 8}
